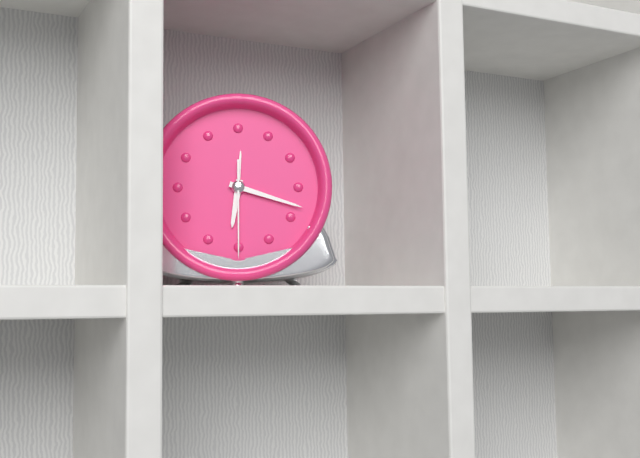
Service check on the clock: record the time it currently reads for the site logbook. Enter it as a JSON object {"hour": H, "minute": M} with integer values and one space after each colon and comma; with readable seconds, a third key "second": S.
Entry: {"hour": 6, "minute": 18, "second": 30}
